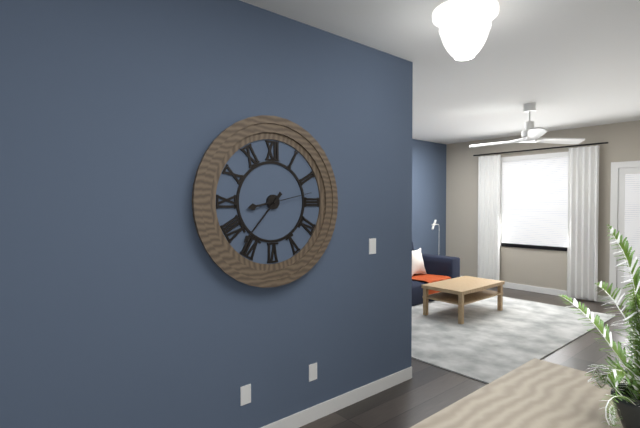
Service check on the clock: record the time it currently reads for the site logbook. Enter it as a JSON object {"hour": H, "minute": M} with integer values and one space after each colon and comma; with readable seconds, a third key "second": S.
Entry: {"hour": 8, "minute": 37, "second": 13}
